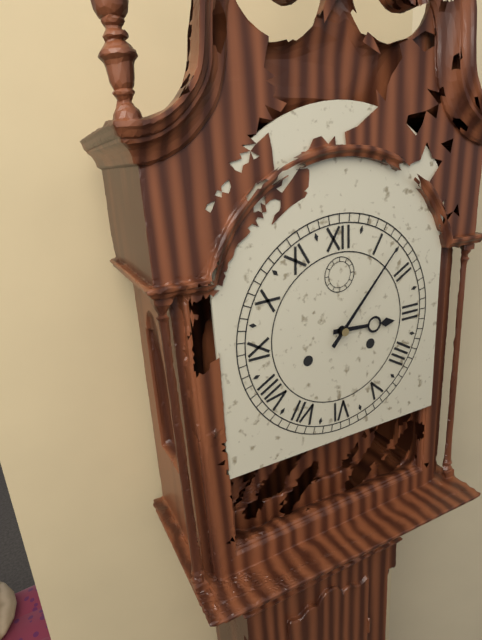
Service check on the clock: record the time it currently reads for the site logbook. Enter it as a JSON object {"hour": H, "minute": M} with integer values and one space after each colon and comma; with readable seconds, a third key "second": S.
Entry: {"hour": 3, "minute": 7}
